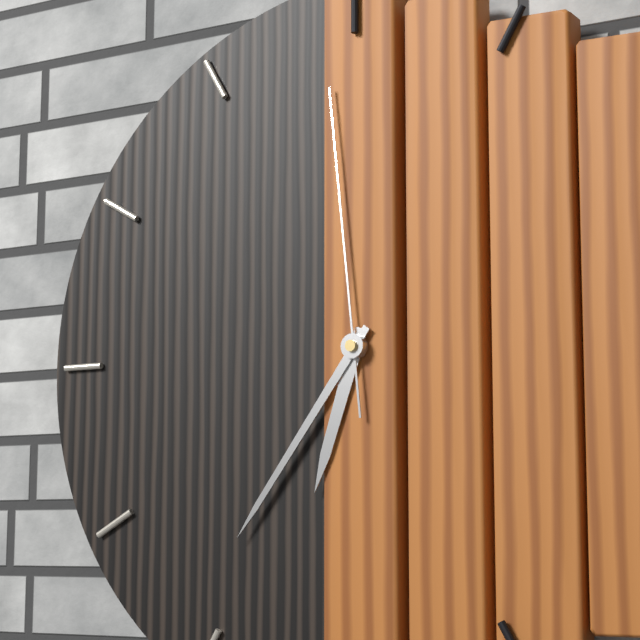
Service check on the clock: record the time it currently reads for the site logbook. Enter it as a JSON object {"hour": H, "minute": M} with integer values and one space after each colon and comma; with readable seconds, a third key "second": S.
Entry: {"hour": 6, "minute": 36, "second": 59}
